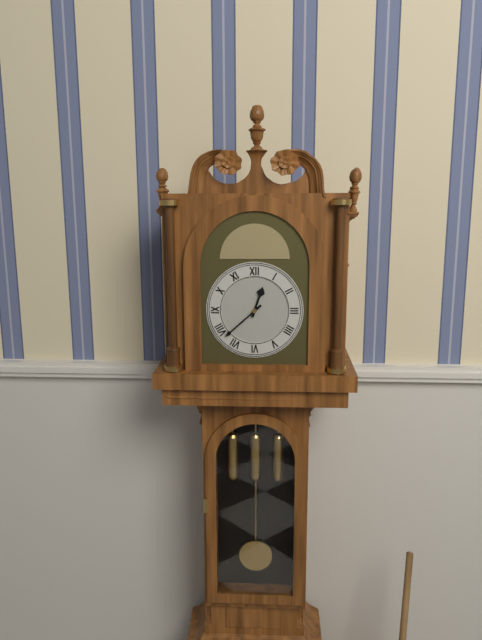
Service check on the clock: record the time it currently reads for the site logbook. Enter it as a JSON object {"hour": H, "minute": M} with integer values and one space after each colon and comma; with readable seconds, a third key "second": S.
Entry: {"hour": 12, "minute": 38}
